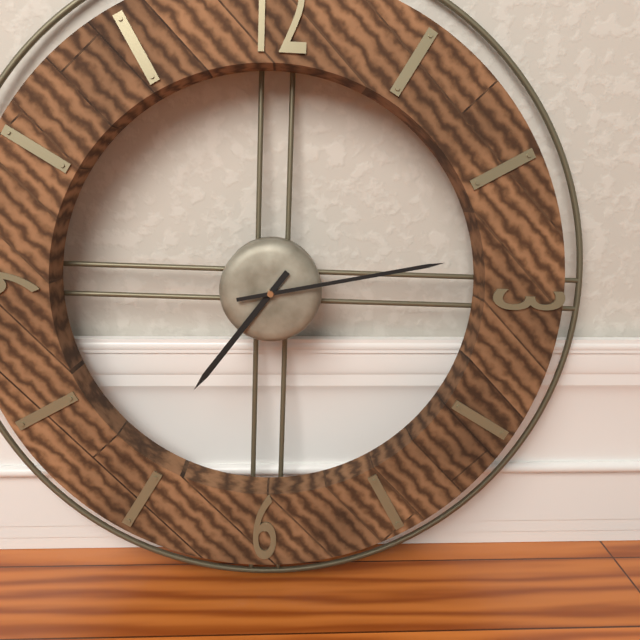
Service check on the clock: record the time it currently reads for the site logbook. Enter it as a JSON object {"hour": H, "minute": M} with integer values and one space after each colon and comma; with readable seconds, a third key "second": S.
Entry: {"hour": 7, "minute": 13}
